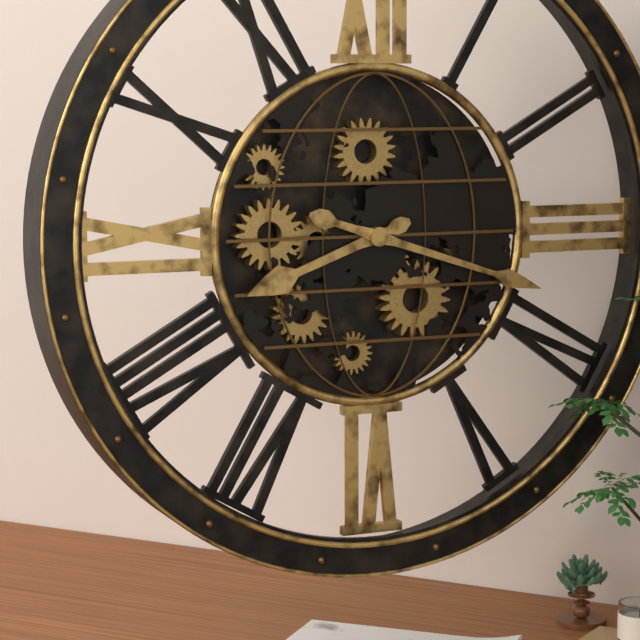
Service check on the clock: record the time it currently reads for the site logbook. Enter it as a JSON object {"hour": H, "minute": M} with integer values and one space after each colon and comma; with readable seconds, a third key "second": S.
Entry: {"hour": 8, "minute": 18}
